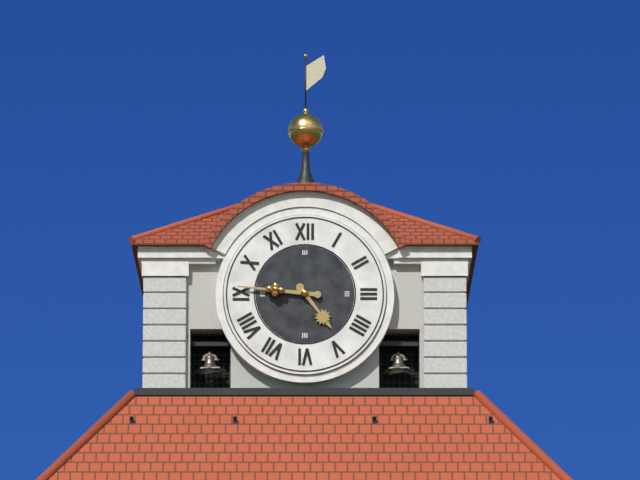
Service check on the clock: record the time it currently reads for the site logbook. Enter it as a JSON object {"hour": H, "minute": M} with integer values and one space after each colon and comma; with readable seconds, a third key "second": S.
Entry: {"hour": 4, "minute": 46}
